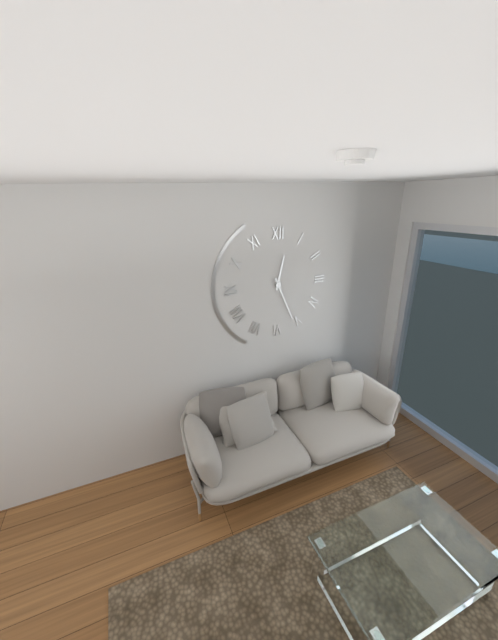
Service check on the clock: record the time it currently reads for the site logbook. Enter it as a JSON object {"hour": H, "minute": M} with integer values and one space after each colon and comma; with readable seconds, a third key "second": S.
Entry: {"hour": 12, "minute": 26}
